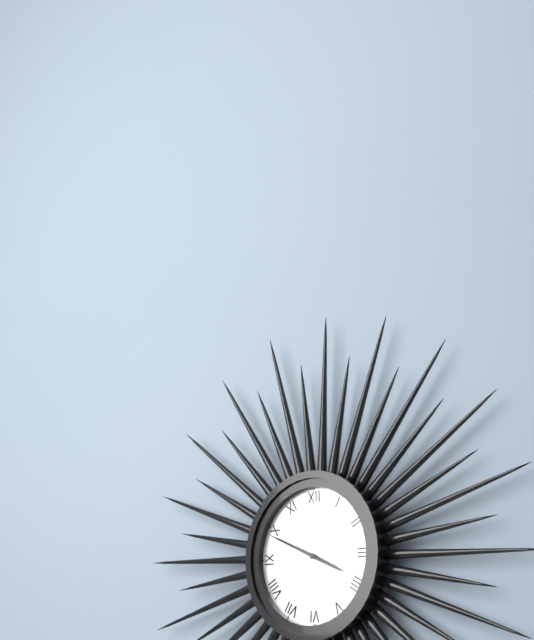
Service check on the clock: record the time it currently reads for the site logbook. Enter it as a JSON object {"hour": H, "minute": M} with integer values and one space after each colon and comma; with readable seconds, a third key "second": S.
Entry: {"hour": 3, "minute": 49}
